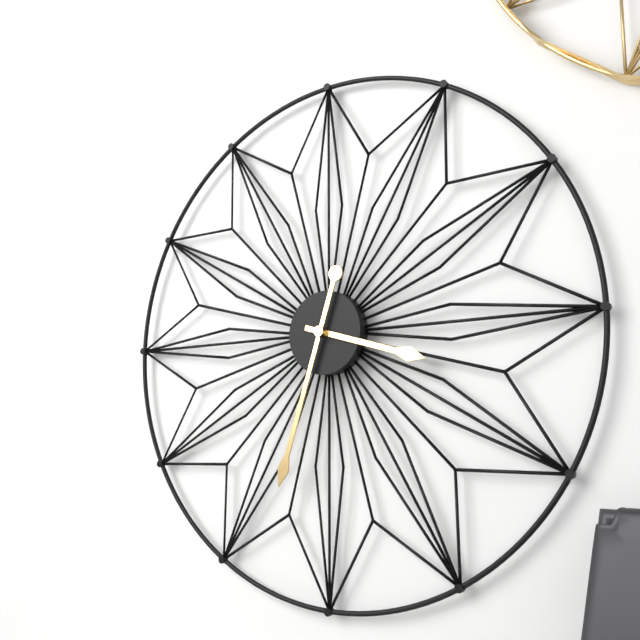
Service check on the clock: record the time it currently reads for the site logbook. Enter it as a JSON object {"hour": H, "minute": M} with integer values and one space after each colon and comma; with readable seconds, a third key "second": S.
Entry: {"hour": 3, "minute": 33}
